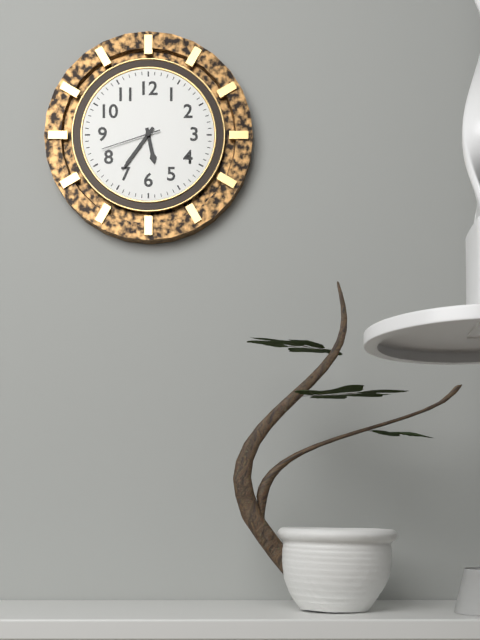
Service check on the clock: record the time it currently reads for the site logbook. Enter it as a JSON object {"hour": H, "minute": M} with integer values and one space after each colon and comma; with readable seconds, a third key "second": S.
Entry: {"hour": 5, "minute": 36, "second": 42}
